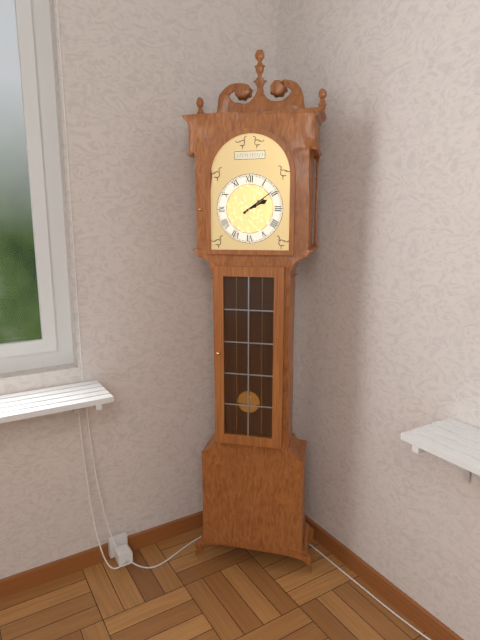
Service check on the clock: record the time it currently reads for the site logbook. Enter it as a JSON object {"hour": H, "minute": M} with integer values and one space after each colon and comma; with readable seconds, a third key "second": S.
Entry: {"hour": 2, "minute": 9}
